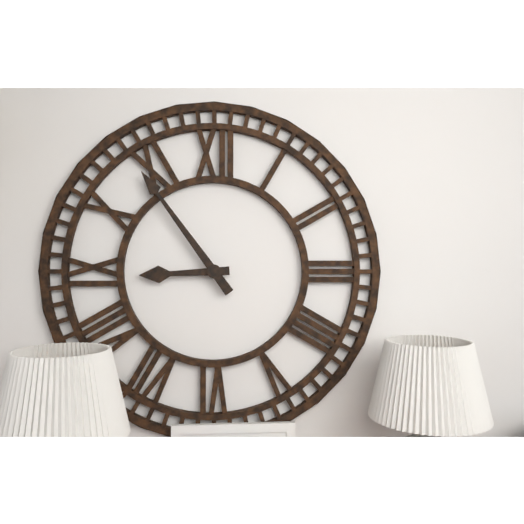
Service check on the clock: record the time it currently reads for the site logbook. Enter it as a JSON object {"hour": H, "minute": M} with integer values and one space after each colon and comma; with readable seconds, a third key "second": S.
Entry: {"hour": 8, "minute": 54}
